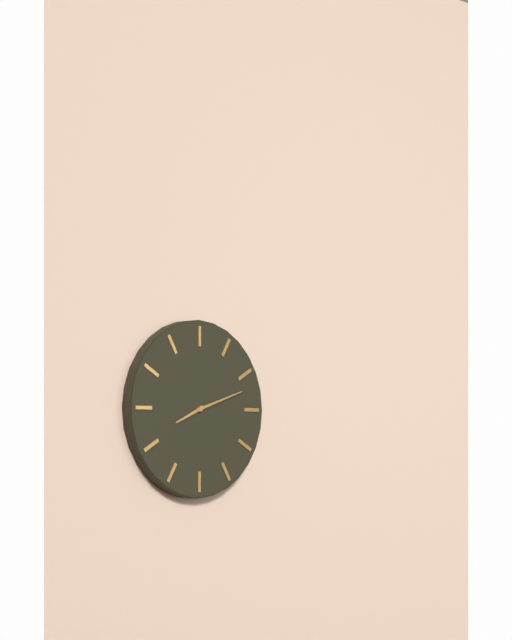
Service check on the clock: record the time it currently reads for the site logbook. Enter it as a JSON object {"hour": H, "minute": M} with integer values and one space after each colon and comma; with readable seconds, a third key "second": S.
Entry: {"hour": 8, "minute": 12}
